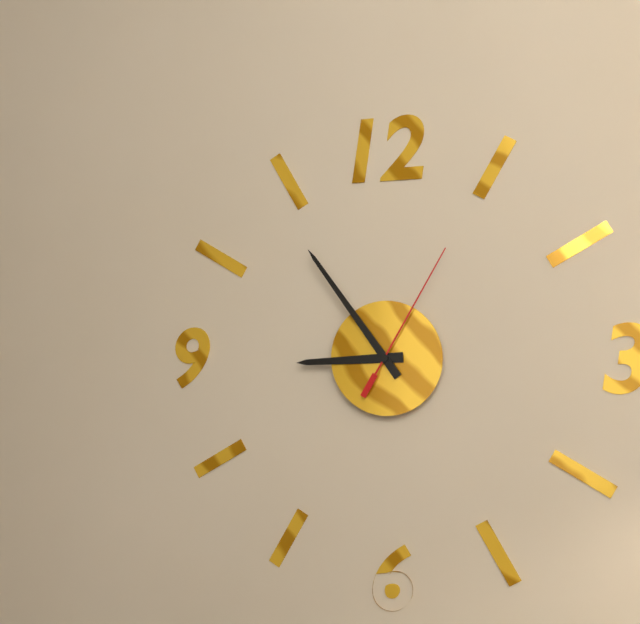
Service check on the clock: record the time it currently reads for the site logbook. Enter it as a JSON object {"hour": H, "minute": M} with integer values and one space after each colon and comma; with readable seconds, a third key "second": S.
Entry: {"hour": 8, "minute": 54, "second": 5}
